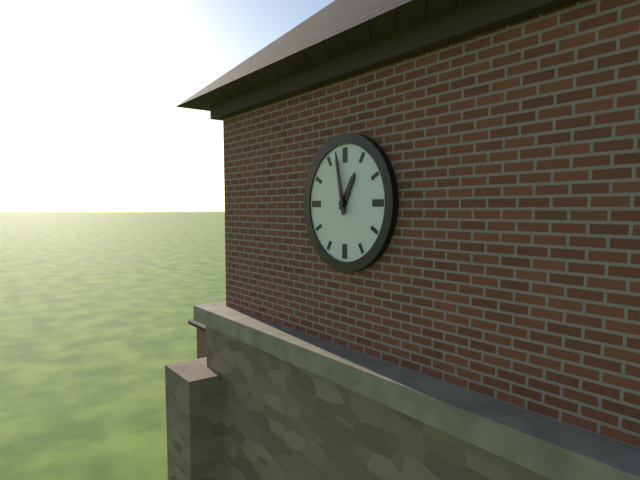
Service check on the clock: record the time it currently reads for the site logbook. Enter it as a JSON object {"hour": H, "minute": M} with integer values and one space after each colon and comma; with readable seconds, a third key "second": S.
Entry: {"hour": 12, "minute": 58}
